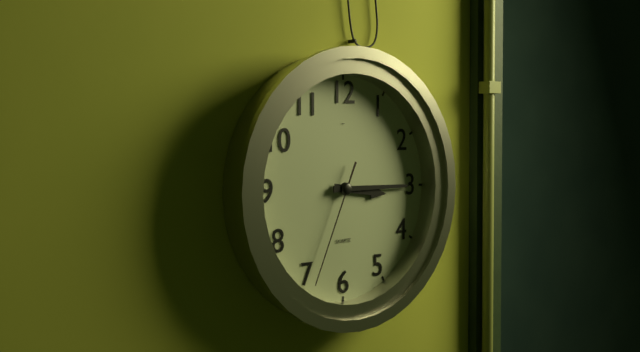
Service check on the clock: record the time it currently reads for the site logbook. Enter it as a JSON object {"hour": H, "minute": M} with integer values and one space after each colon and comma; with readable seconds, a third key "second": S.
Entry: {"hour": 3, "minute": 15, "second": 34}
